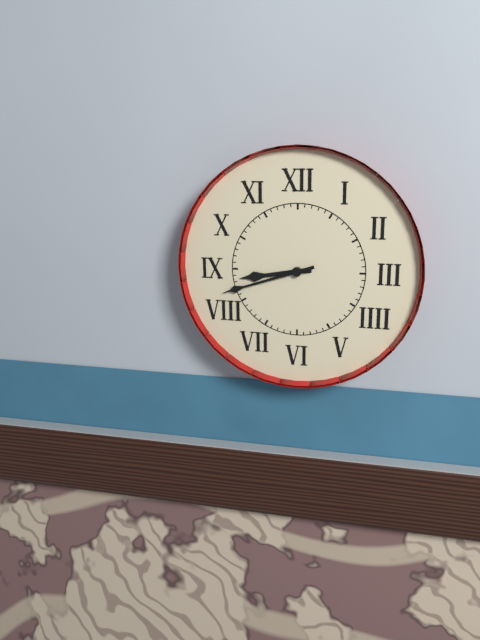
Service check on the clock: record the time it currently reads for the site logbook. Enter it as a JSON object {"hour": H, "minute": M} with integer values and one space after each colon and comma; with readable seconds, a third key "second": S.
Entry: {"hour": 8, "minute": 42}
